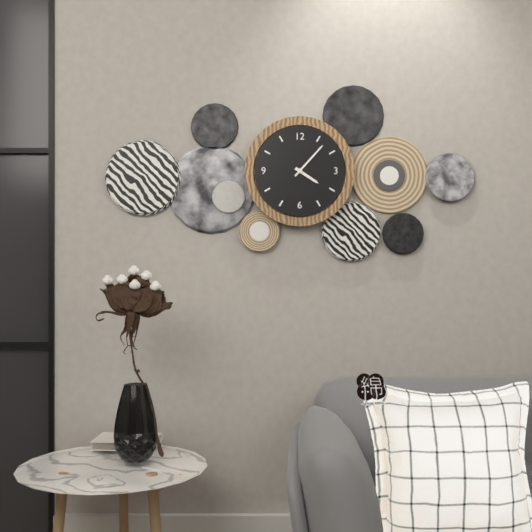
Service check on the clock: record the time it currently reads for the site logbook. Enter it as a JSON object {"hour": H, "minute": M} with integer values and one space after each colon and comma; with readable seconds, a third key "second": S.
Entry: {"hour": 4, "minute": 7}
